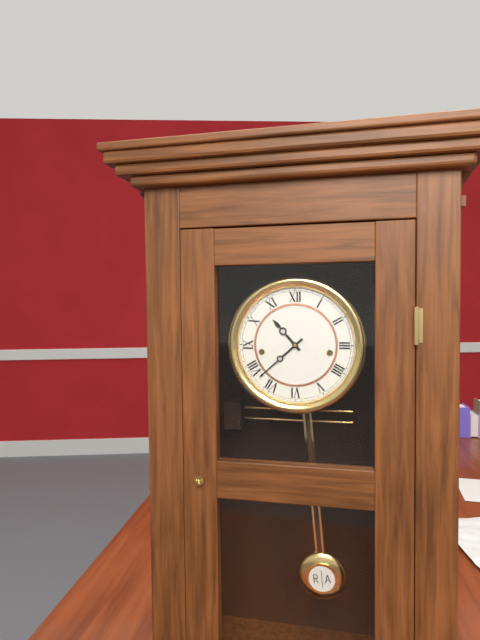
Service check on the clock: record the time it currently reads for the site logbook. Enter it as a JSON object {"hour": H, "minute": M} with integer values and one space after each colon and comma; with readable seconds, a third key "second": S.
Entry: {"hour": 10, "minute": 38}
